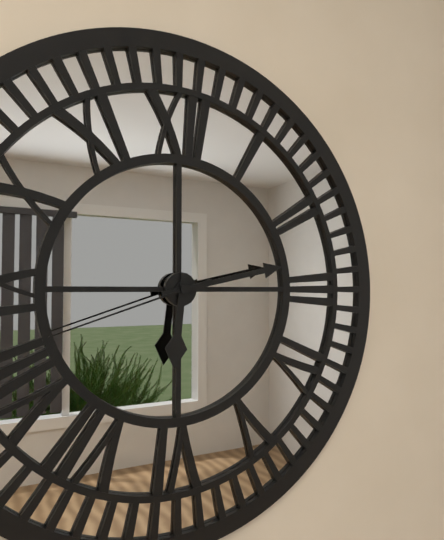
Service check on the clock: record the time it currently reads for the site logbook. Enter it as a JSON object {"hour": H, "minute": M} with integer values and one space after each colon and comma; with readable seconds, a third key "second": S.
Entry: {"hour": 6, "minute": 13, "second": 42}
